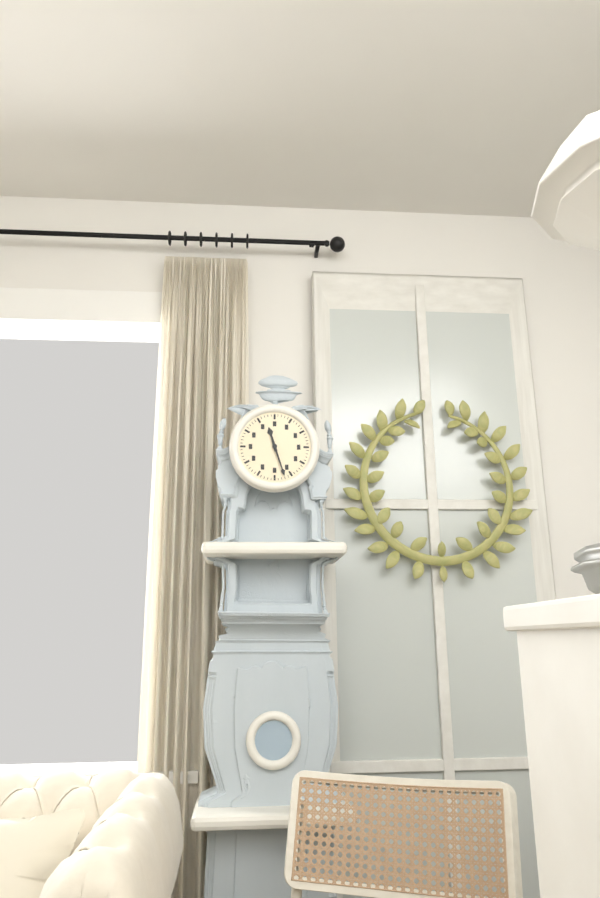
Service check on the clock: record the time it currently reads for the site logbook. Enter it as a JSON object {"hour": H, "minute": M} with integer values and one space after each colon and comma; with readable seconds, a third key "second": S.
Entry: {"hour": 11, "minute": 27}
